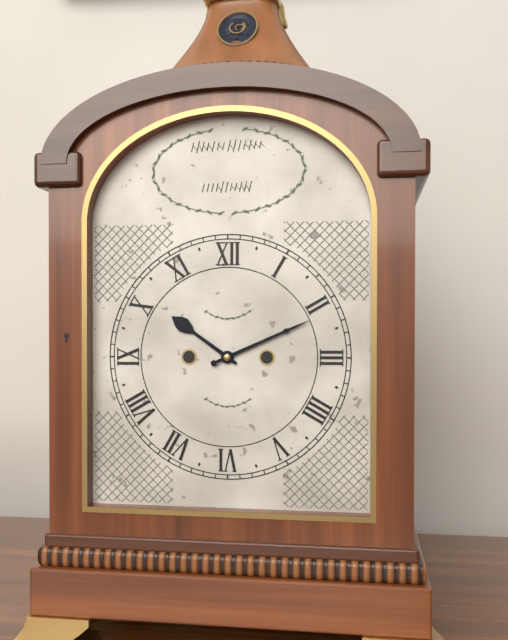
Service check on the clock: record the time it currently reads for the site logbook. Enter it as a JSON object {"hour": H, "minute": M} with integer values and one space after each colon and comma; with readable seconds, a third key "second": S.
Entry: {"hour": 10, "minute": 11}
